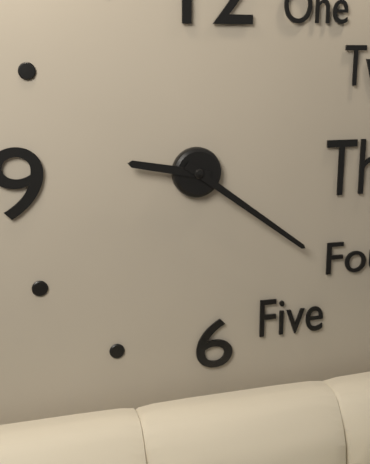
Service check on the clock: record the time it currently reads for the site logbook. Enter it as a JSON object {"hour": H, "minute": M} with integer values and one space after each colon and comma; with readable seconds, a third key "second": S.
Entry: {"hour": 9, "minute": 21}
